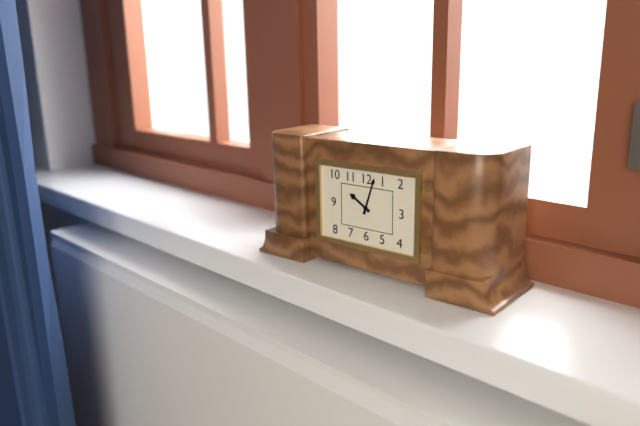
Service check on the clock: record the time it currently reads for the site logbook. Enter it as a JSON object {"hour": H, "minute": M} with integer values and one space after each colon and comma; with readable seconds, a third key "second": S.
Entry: {"hour": 10, "minute": 3}
